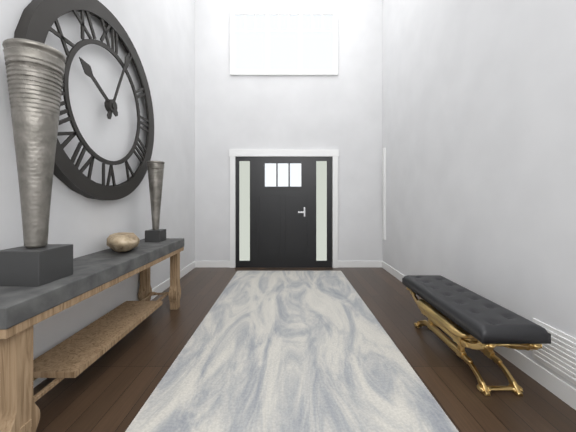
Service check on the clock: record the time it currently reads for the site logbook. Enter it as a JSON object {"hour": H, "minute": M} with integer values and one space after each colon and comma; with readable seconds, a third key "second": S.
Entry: {"hour": 10, "minute": 4}
